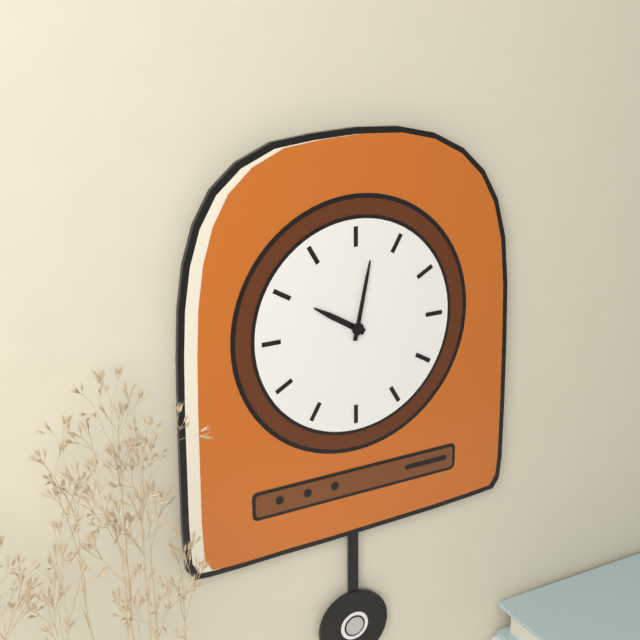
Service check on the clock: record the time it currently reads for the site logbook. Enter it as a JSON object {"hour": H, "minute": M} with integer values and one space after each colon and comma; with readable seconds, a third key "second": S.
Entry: {"hour": 10, "minute": 2}
